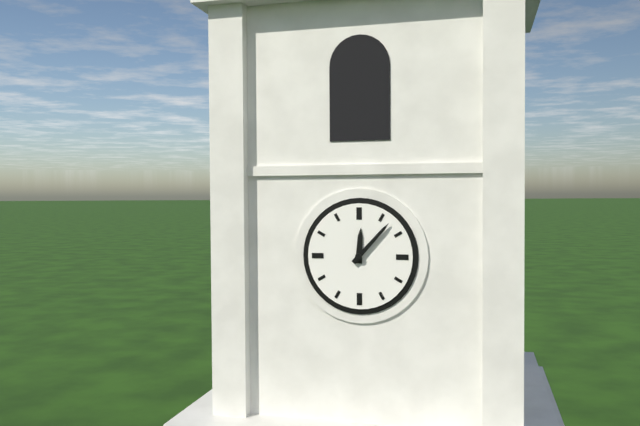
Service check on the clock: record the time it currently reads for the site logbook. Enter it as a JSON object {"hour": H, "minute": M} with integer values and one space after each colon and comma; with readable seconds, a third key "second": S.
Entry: {"hour": 12, "minute": 7}
